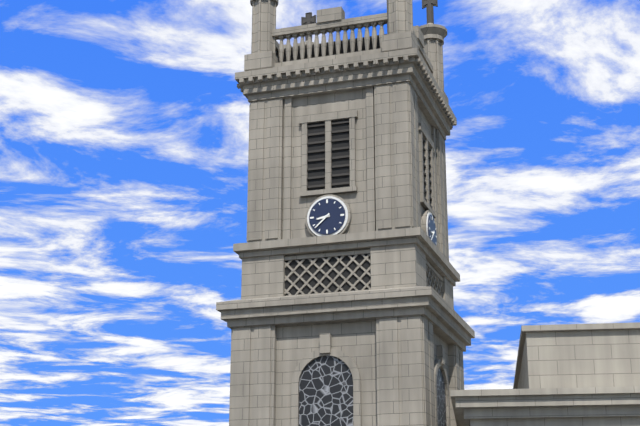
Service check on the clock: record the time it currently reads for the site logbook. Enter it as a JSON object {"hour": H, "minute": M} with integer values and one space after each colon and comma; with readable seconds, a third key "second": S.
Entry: {"hour": 8, "minute": 38}
